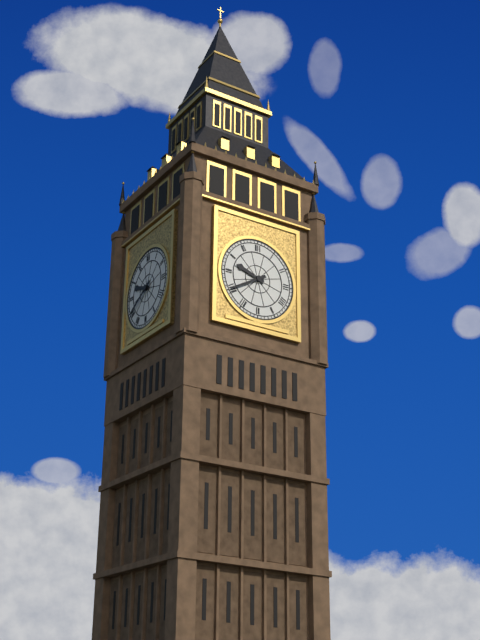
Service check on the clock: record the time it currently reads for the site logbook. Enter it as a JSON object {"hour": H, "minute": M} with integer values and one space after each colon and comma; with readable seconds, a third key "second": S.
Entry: {"hour": 9, "minute": 40}
